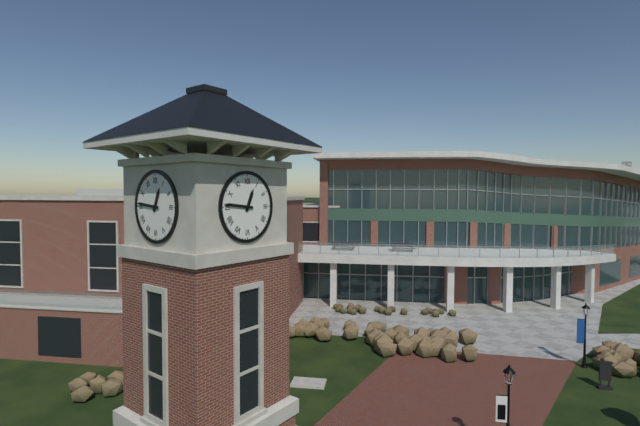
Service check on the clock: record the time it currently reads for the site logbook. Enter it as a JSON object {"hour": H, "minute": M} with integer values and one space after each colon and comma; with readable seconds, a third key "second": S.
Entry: {"hour": 12, "minute": 46}
